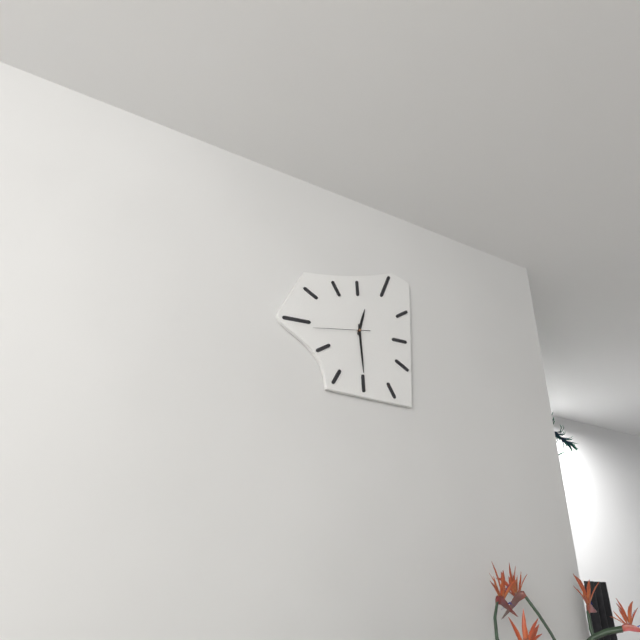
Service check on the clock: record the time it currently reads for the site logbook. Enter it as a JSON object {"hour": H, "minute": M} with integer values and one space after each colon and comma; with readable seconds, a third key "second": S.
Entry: {"hour": 12, "minute": 29, "second": 43}
